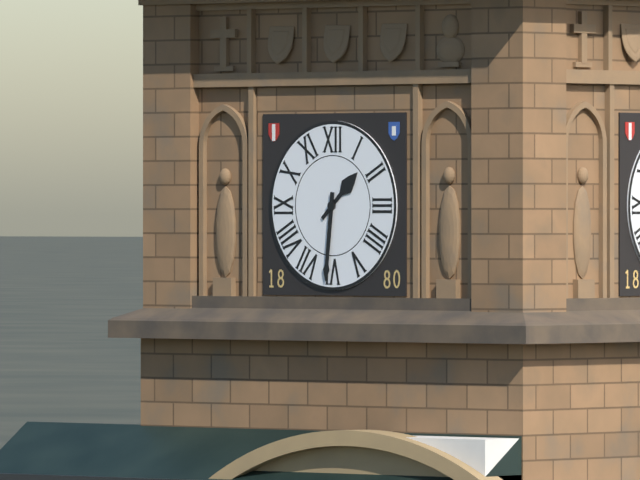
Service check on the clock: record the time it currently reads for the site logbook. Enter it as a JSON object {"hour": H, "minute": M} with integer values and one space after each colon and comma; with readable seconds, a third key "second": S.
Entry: {"hour": 1, "minute": 31}
